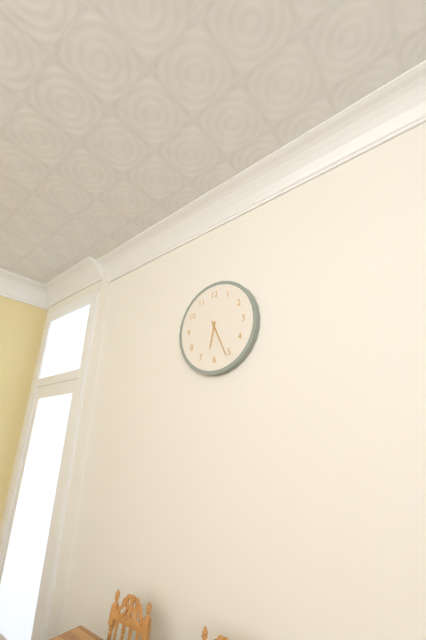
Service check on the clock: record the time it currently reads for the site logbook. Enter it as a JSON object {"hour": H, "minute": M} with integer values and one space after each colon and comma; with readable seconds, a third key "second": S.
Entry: {"hour": 6, "minute": 26}
